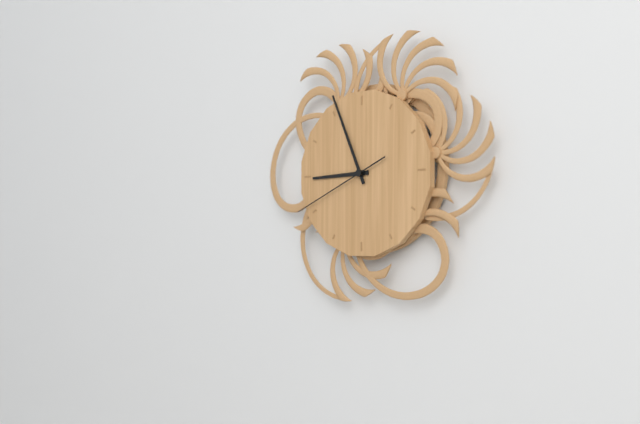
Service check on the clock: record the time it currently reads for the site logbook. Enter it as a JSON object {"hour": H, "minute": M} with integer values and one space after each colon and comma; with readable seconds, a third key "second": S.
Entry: {"hour": 8, "minute": 56, "second": 41}
